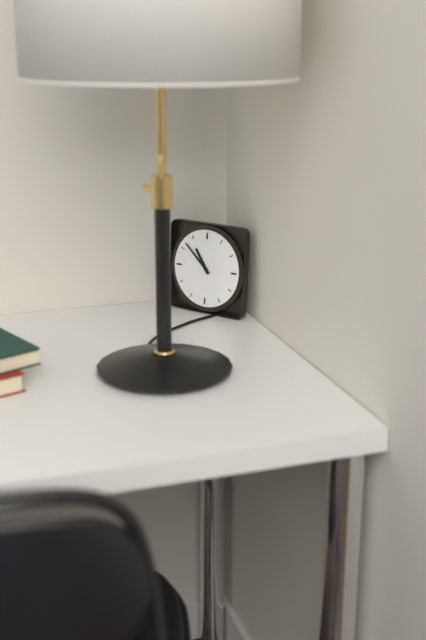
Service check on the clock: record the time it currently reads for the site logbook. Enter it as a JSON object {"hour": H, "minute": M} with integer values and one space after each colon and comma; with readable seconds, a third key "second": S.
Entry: {"hour": 10, "minute": 52}
